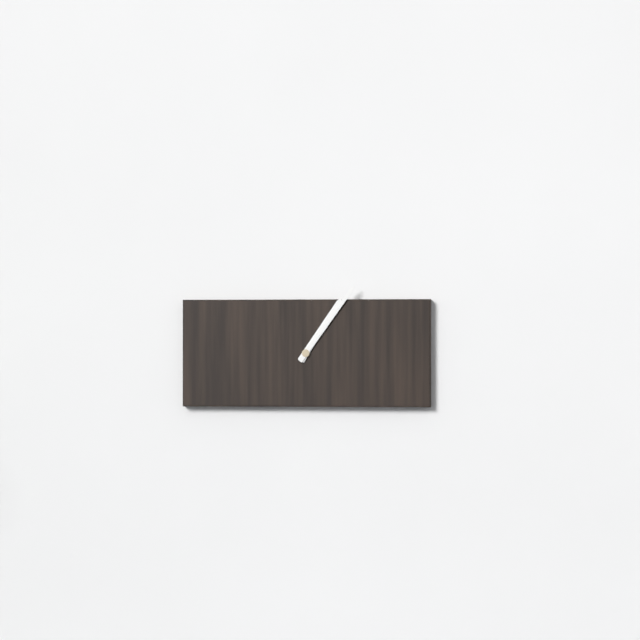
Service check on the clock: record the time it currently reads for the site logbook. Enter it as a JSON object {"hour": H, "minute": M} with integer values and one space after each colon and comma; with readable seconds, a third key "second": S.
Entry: {"hour": 1, "minute": 6}
